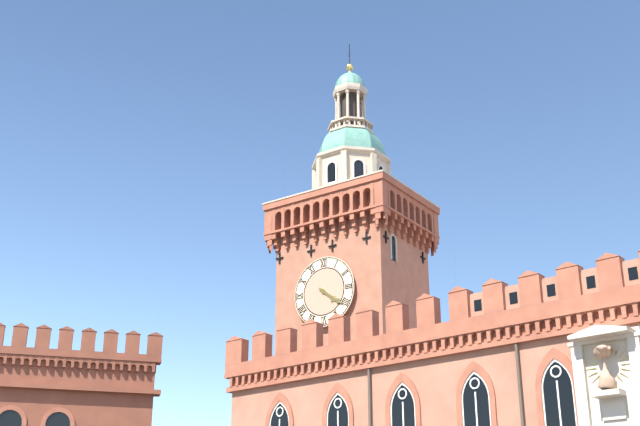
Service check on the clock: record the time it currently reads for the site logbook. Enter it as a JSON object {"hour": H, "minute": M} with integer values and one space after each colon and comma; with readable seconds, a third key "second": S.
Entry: {"hour": 4, "minute": 21}
